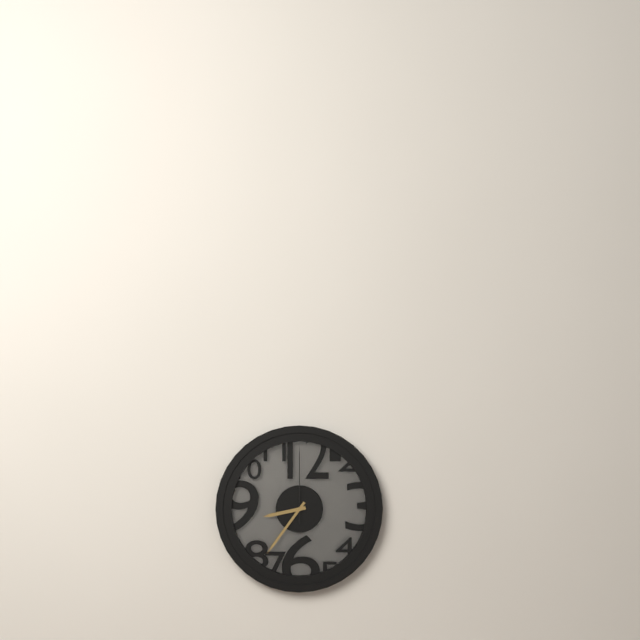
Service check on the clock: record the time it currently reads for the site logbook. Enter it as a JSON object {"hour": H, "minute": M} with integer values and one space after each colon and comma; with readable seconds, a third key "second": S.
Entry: {"hour": 8, "minute": 36, "second": 0}
